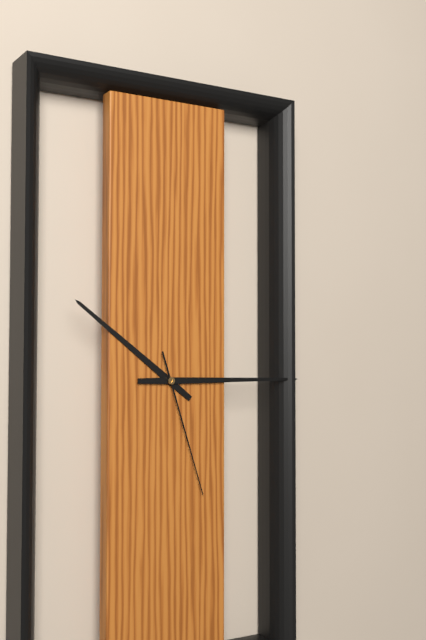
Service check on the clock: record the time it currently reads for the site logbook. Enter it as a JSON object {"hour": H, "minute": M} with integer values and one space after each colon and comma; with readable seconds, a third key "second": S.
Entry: {"hour": 10, "minute": 15, "second": 27}
